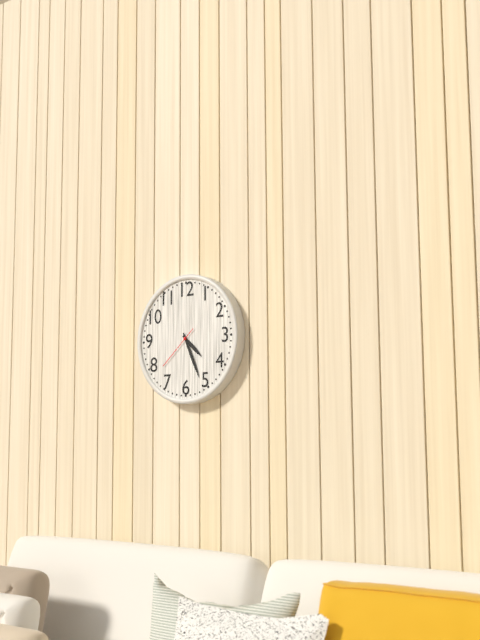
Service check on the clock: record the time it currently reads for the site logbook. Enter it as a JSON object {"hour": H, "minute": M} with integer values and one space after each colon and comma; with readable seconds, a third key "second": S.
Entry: {"hour": 4, "minute": 26}
